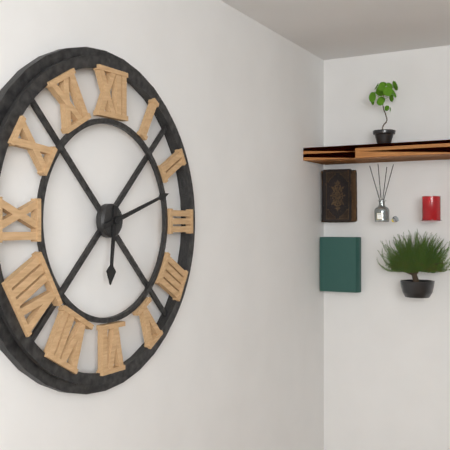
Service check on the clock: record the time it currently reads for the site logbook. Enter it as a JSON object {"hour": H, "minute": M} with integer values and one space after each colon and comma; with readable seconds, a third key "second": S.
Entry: {"hour": 6, "minute": 12}
